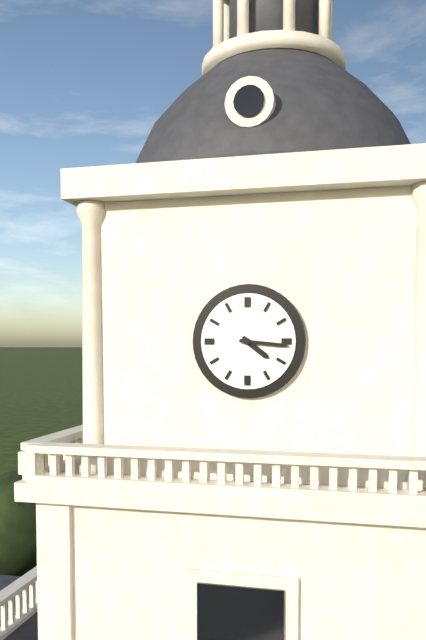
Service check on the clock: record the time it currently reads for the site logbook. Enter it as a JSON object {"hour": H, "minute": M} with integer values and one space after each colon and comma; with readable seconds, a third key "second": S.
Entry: {"hour": 4, "minute": 16}
